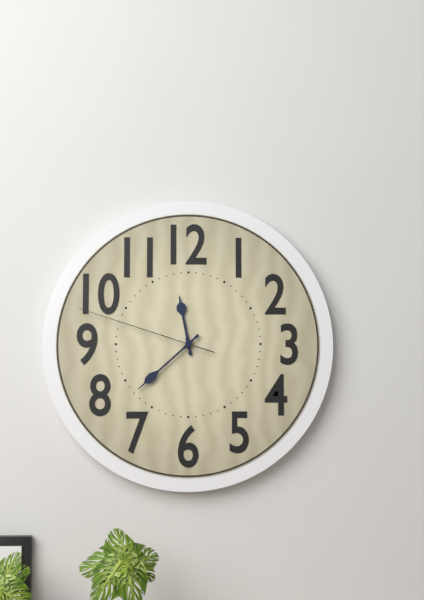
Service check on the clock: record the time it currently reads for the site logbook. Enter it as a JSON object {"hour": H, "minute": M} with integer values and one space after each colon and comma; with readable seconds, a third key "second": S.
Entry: {"hour": 11, "minute": 38, "second": 48}
